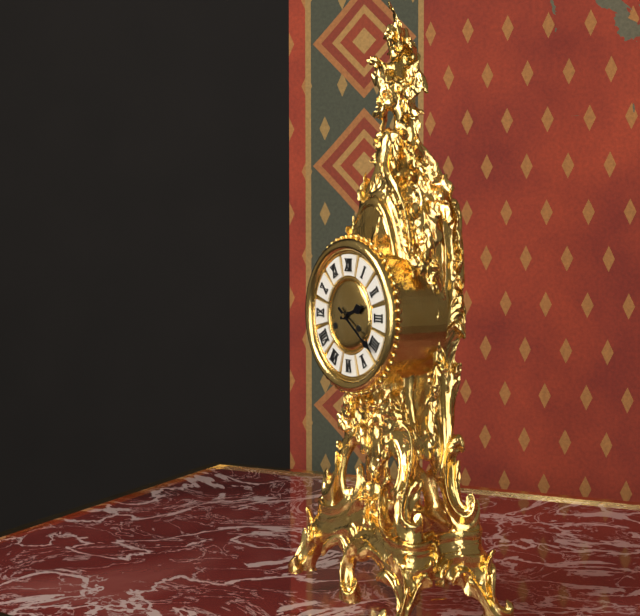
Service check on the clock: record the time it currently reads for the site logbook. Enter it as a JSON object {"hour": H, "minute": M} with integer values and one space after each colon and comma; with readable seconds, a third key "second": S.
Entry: {"hour": 2, "minute": 21}
